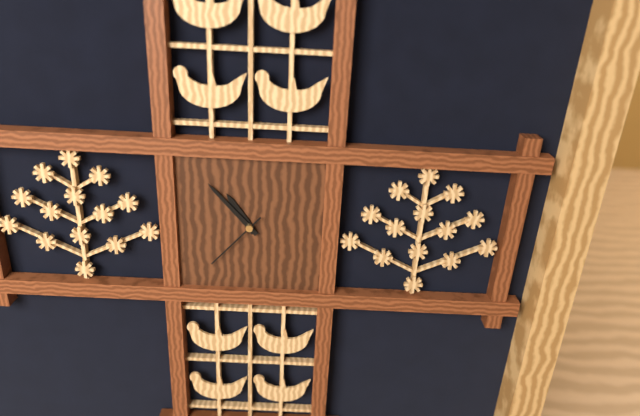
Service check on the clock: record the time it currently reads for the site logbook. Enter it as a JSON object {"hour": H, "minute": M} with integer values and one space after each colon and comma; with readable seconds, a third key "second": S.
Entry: {"hour": 10, "minute": 53, "second": 37}
